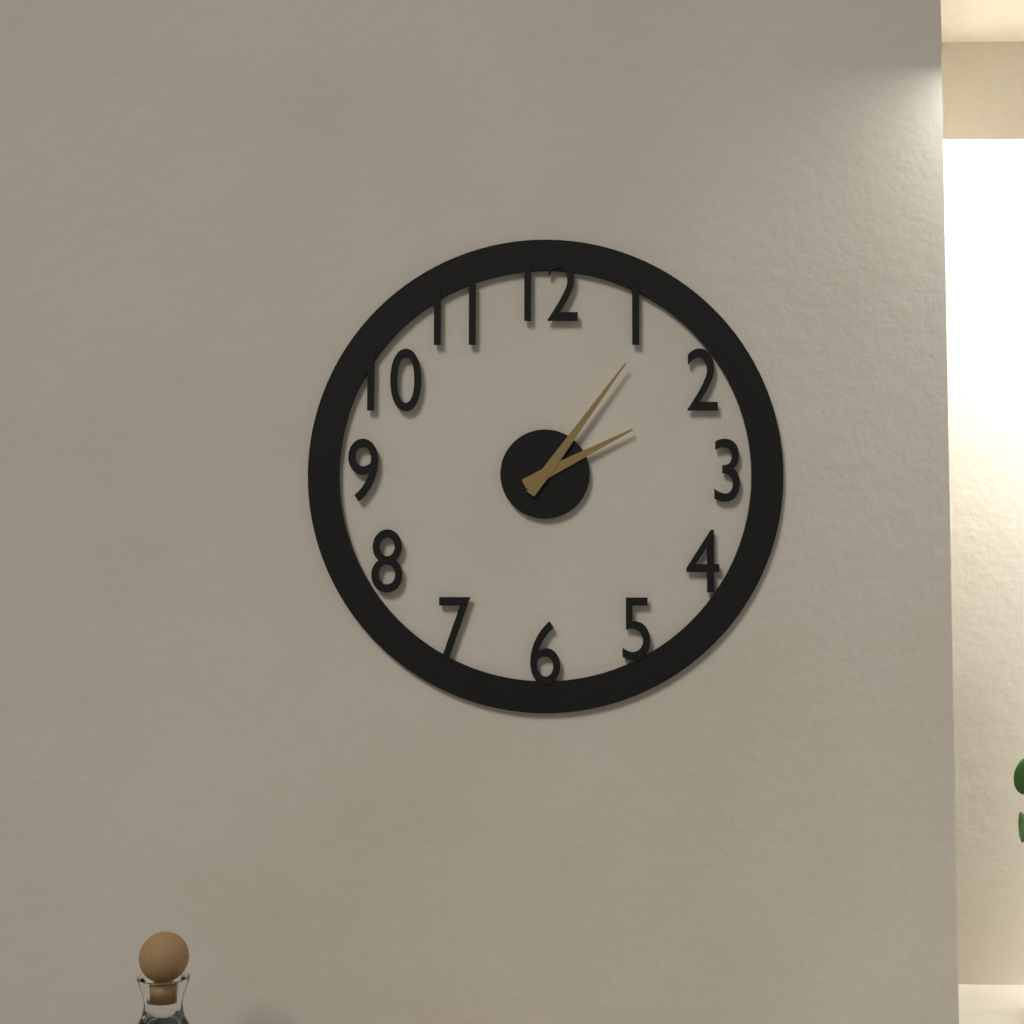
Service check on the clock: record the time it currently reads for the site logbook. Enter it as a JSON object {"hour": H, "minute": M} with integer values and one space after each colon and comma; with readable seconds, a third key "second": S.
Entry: {"hour": 2, "minute": 6}
